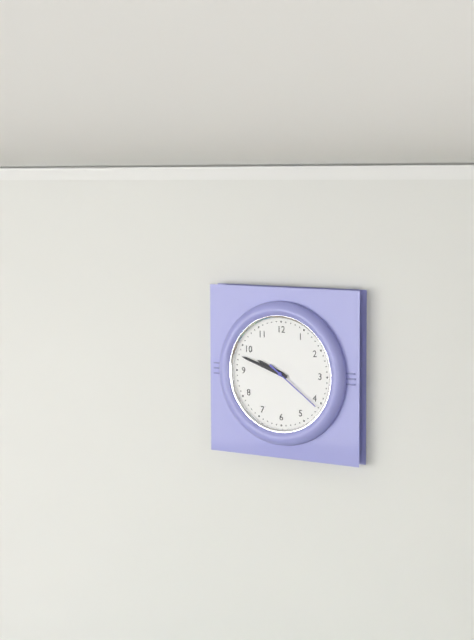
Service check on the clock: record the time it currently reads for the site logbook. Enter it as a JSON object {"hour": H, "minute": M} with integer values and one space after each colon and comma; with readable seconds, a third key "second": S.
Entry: {"hour": 9, "minute": 48, "second": 21}
